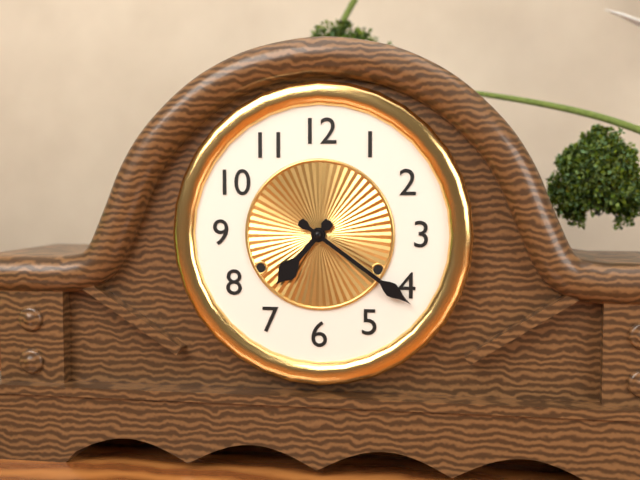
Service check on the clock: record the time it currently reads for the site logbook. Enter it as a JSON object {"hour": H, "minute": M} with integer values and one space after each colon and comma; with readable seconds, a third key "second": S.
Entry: {"hour": 7, "minute": 21}
